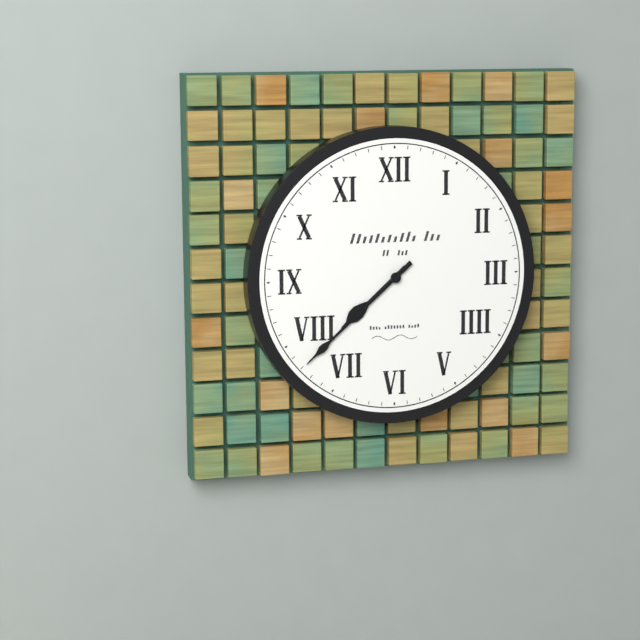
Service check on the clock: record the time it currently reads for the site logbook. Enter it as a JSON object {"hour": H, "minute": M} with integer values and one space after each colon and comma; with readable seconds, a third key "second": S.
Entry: {"hour": 7, "minute": 38}
